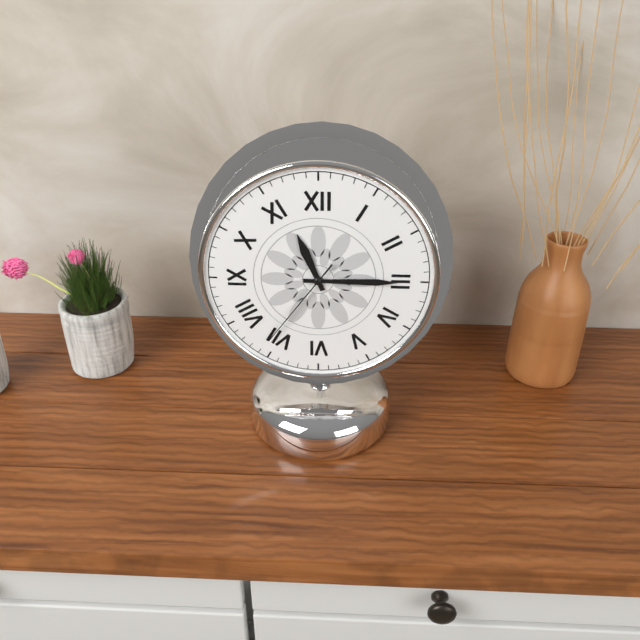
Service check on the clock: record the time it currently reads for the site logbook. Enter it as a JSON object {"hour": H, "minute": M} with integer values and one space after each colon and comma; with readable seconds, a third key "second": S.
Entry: {"hour": 11, "minute": 15, "second": 36}
